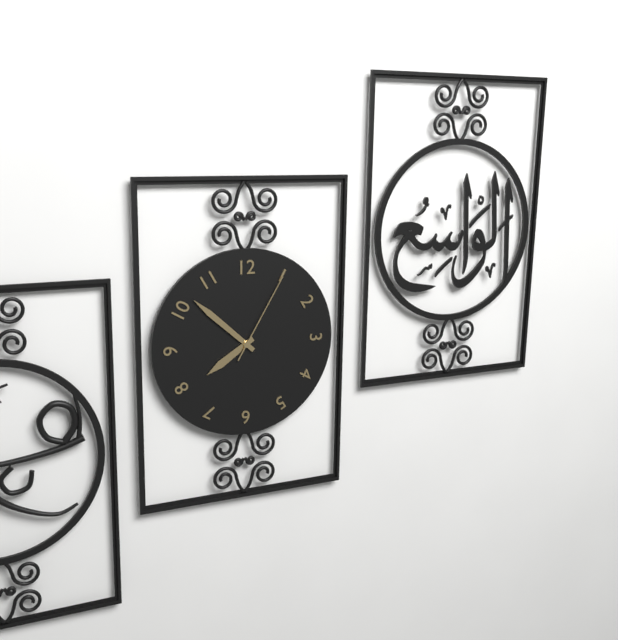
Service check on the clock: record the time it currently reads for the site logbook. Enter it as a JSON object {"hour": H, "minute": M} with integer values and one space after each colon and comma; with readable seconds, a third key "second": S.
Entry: {"hour": 7, "minute": 52, "second": 5}
